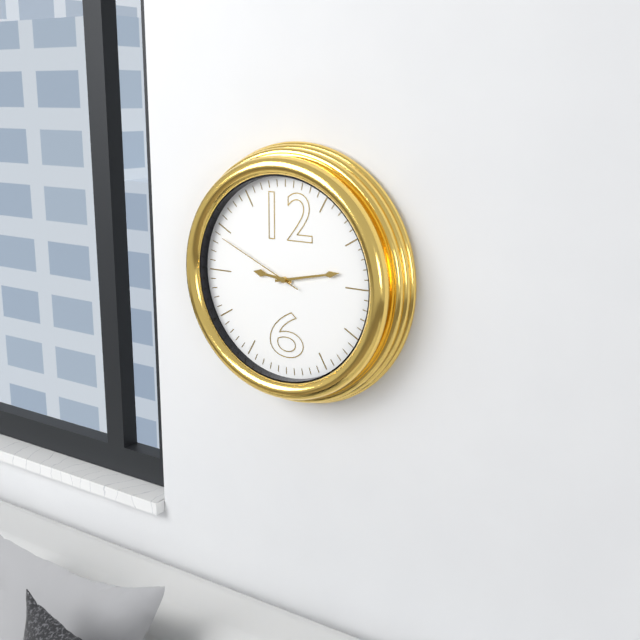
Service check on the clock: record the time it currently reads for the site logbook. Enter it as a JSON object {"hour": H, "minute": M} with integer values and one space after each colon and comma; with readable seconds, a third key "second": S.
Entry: {"hour": 9, "minute": 13, "second": 49}
